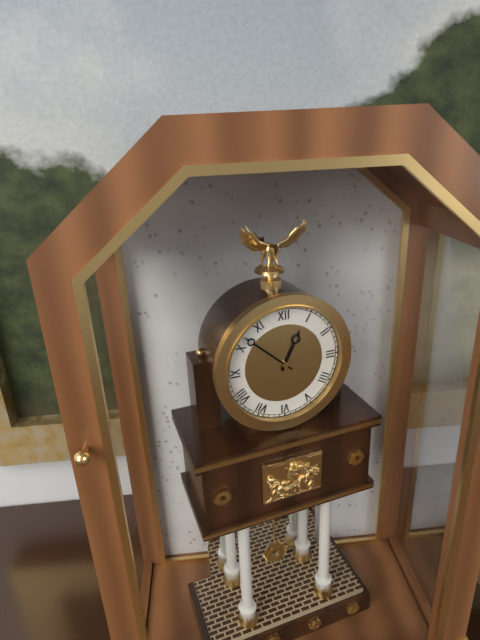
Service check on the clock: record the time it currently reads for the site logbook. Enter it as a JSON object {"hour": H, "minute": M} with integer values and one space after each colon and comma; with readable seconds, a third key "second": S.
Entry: {"hour": 12, "minute": 52}
